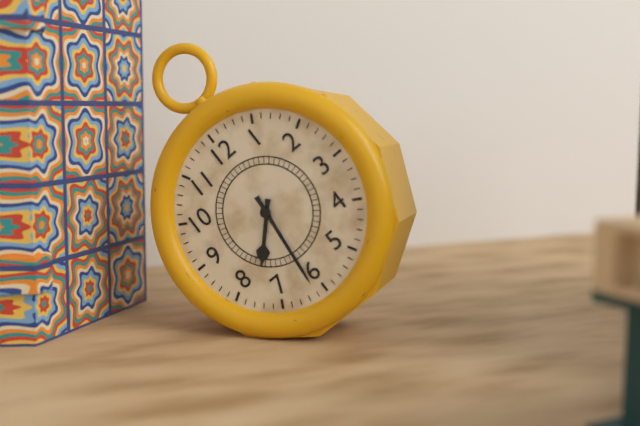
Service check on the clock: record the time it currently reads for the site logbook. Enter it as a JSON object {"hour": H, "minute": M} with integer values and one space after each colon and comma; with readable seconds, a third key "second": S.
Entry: {"hour": 7, "minute": 31}
